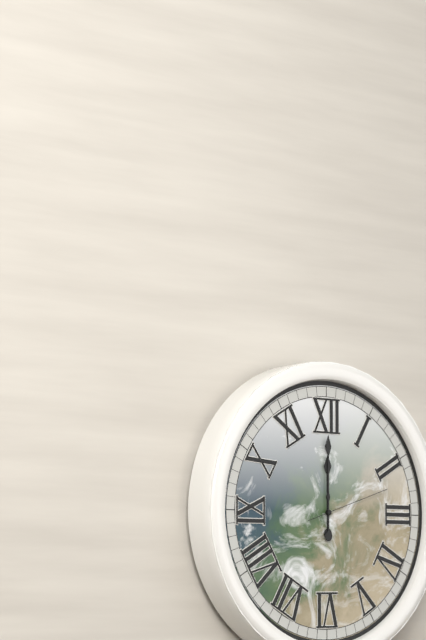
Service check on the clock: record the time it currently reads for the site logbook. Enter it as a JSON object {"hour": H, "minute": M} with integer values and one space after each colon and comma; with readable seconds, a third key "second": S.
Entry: {"hour": 12, "minute": 0, "second": 12}
